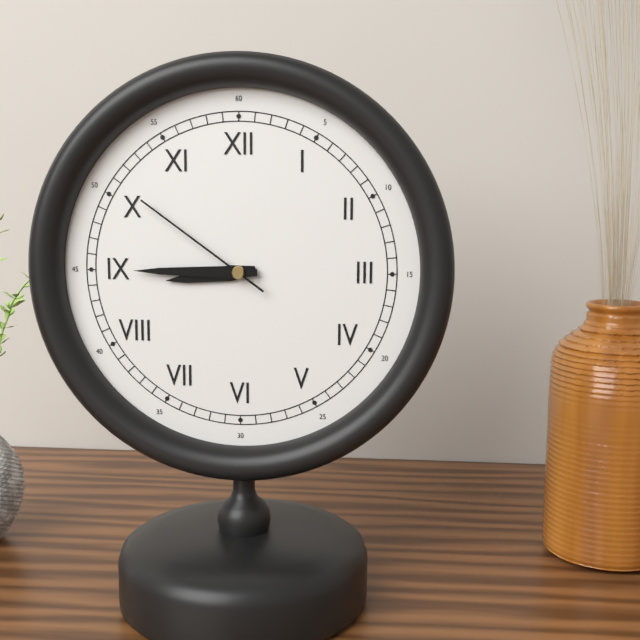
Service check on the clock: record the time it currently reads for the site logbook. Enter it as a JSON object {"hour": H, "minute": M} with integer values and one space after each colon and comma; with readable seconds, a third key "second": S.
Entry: {"hour": 8, "minute": 45, "second": 51}
